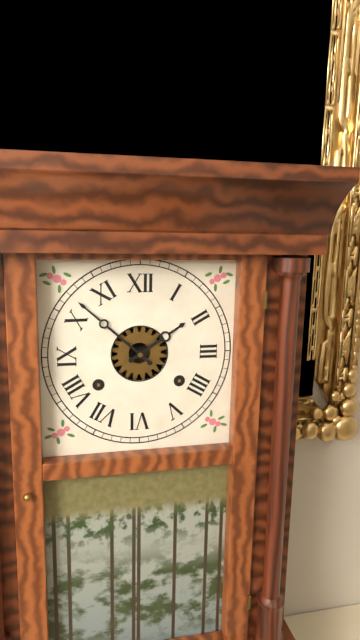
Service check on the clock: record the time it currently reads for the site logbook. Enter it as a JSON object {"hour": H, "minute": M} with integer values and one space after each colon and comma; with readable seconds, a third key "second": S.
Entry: {"hour": 1, "minute": 52}
